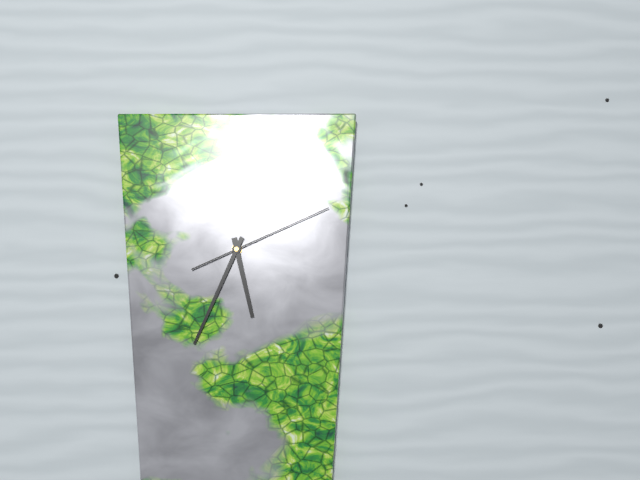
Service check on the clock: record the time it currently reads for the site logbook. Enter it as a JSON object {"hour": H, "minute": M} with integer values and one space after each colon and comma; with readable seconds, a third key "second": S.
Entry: {"hour": 5, "minute": 34, "second": 11}
